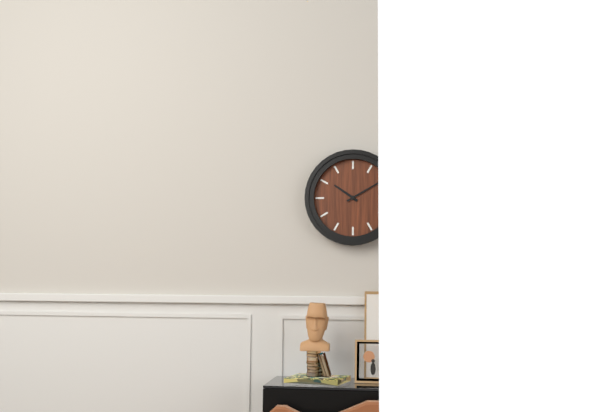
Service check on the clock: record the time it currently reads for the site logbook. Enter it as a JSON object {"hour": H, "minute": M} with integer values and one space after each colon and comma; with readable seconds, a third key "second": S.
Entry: {"hour": 10, "minute": 10}
